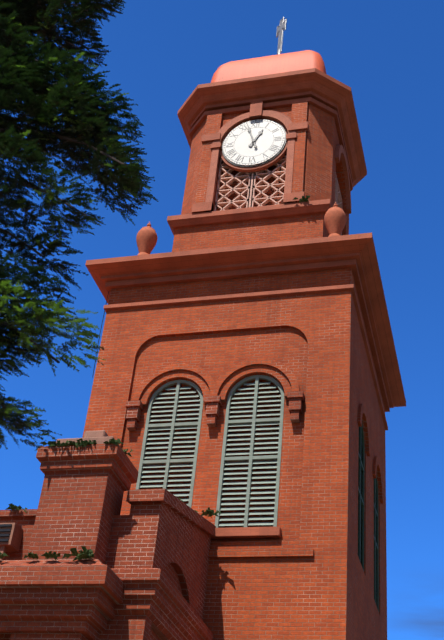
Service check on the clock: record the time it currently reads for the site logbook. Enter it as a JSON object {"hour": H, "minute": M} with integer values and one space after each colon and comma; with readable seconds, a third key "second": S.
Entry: {"hour": 12, "minute": 57}
